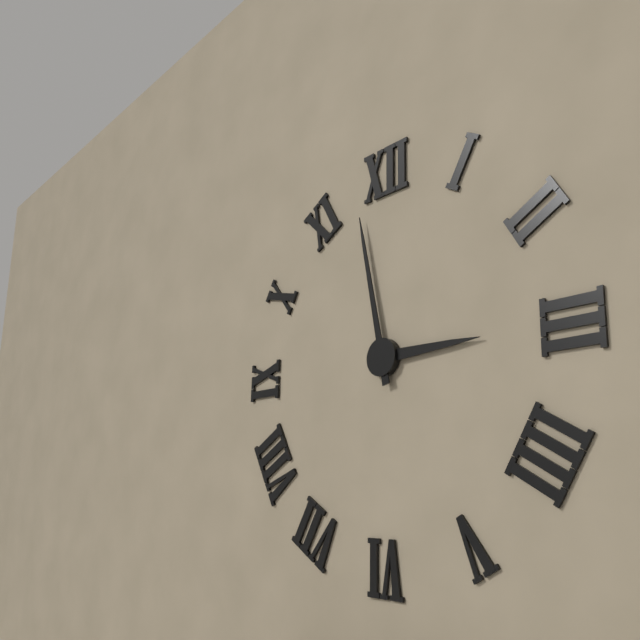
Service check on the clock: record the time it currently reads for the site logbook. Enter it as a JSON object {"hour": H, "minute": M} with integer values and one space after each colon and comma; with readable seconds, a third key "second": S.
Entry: {"hour": 2, "minute": 58}
